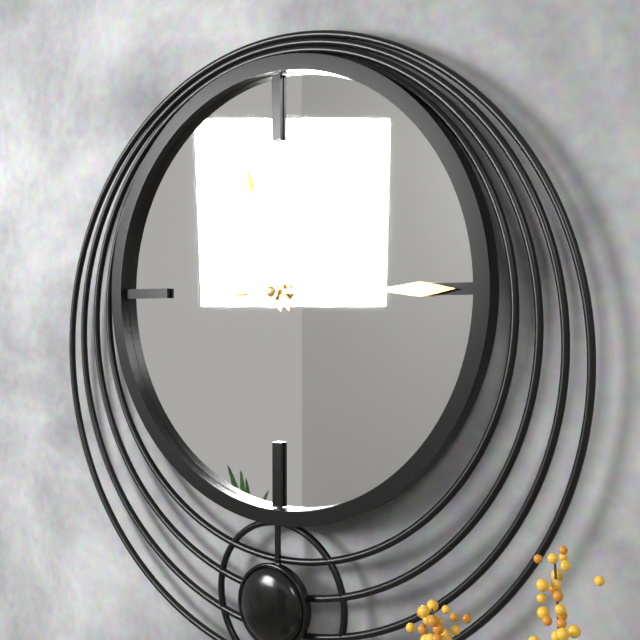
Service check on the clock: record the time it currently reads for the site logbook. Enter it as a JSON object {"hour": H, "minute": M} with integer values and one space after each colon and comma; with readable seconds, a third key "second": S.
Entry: {"hour": 11, "minute": 15}
